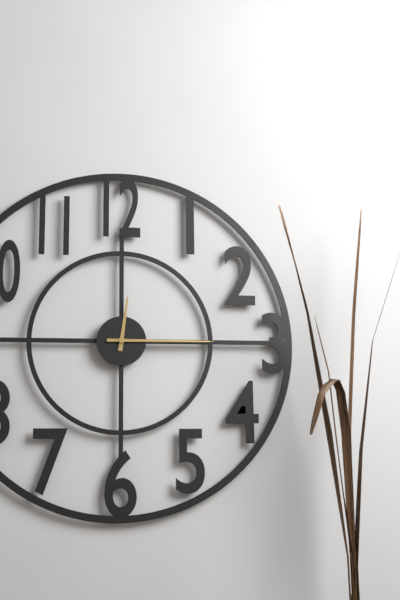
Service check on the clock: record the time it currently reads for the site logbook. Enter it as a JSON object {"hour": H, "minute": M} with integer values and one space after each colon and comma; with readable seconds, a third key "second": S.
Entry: {"hour": 12, "minute": 15}
